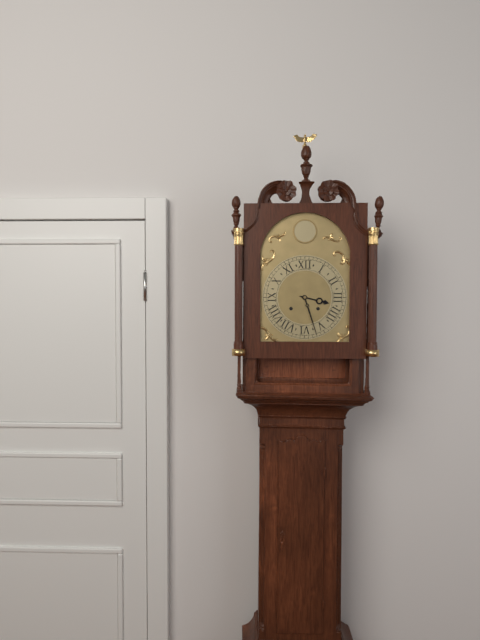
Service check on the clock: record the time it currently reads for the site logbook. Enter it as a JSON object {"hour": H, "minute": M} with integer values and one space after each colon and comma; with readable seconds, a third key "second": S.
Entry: {"hour": 3, "minute": 27}
